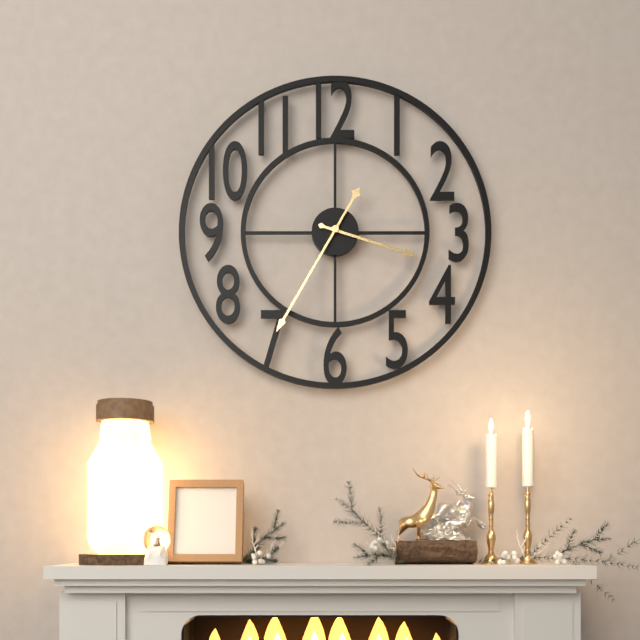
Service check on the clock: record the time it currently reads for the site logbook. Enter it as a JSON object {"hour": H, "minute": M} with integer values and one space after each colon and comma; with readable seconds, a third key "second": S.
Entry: {"hour": 3, "minute": 35}
